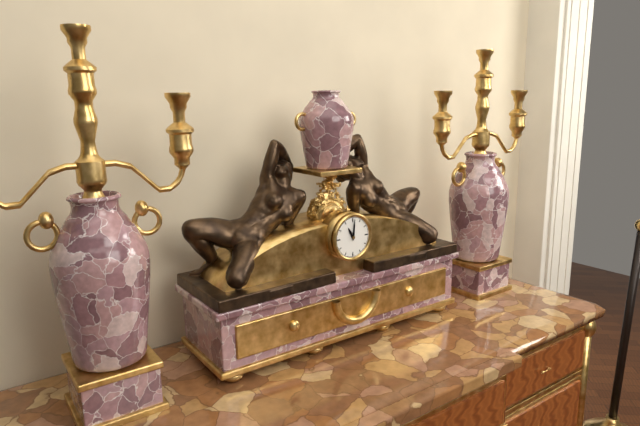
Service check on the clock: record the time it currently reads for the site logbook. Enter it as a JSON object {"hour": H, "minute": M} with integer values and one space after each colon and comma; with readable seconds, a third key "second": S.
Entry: {"hour": 11, "minute": 1}
